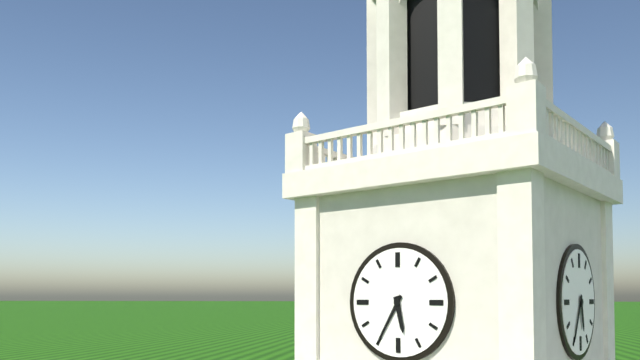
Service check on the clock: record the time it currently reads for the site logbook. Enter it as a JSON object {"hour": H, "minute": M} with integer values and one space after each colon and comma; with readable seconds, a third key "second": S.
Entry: {"hour": 5, "minute": 35}
